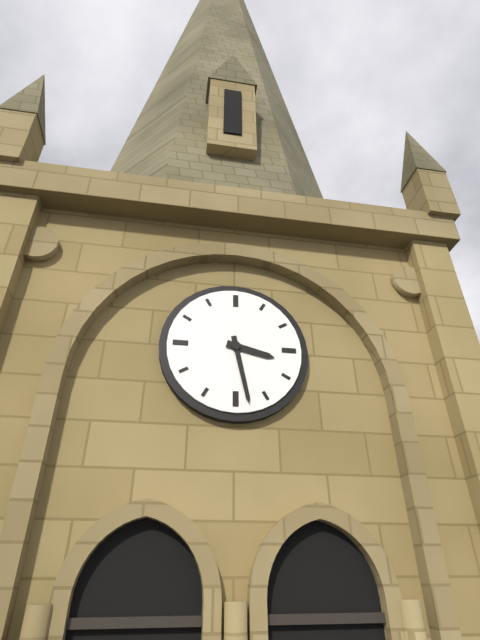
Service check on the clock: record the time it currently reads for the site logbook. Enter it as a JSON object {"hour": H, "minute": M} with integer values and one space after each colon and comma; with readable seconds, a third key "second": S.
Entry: {"hour": 3, "minute": 28}
